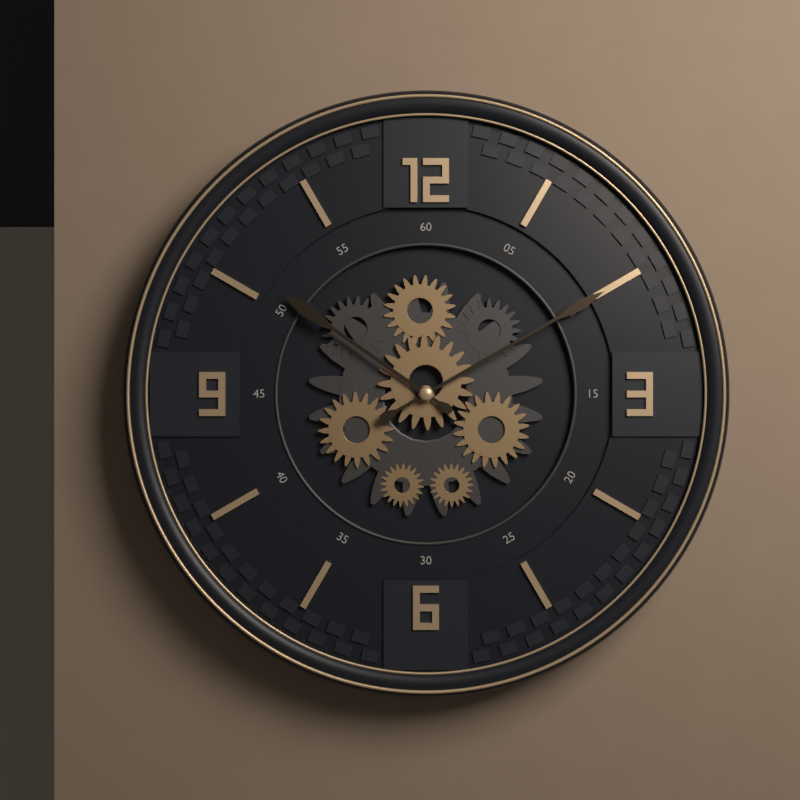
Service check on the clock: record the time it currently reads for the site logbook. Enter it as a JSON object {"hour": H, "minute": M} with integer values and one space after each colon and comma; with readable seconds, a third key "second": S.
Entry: {"hour": 10, "minute": 10}
